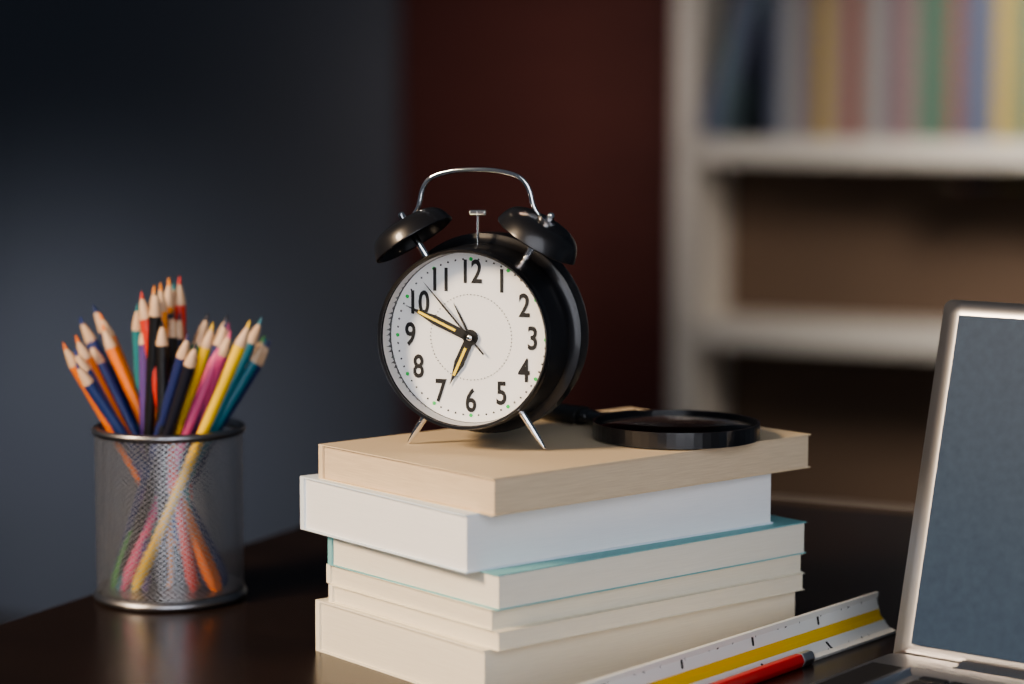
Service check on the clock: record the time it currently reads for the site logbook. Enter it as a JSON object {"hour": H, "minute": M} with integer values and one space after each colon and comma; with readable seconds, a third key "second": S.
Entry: {"hour": 6, "minute": 49, "second": 53}
